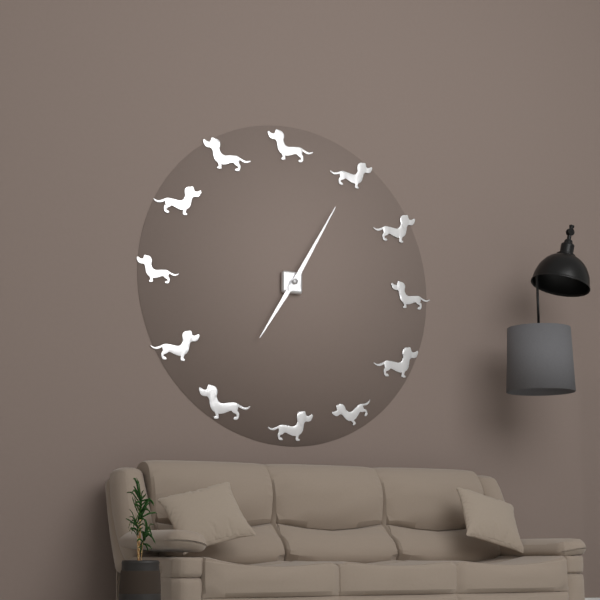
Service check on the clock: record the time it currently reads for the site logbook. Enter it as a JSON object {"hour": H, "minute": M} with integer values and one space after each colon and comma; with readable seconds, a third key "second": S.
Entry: {"hour": 7, "minute": 5}
